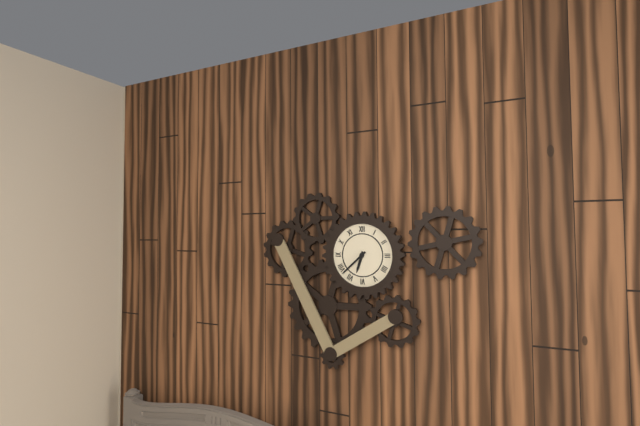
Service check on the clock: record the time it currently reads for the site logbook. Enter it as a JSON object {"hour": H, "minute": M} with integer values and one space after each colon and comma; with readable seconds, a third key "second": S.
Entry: {"hour": 6, "minute": 38}
